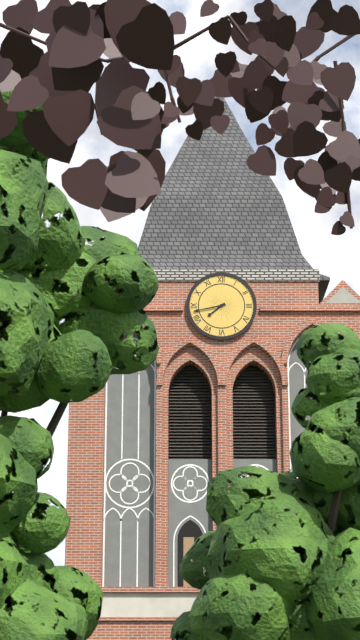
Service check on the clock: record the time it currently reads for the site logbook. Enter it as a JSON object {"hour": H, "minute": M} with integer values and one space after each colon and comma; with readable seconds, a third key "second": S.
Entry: {"hour": 7, "minute": 43}
